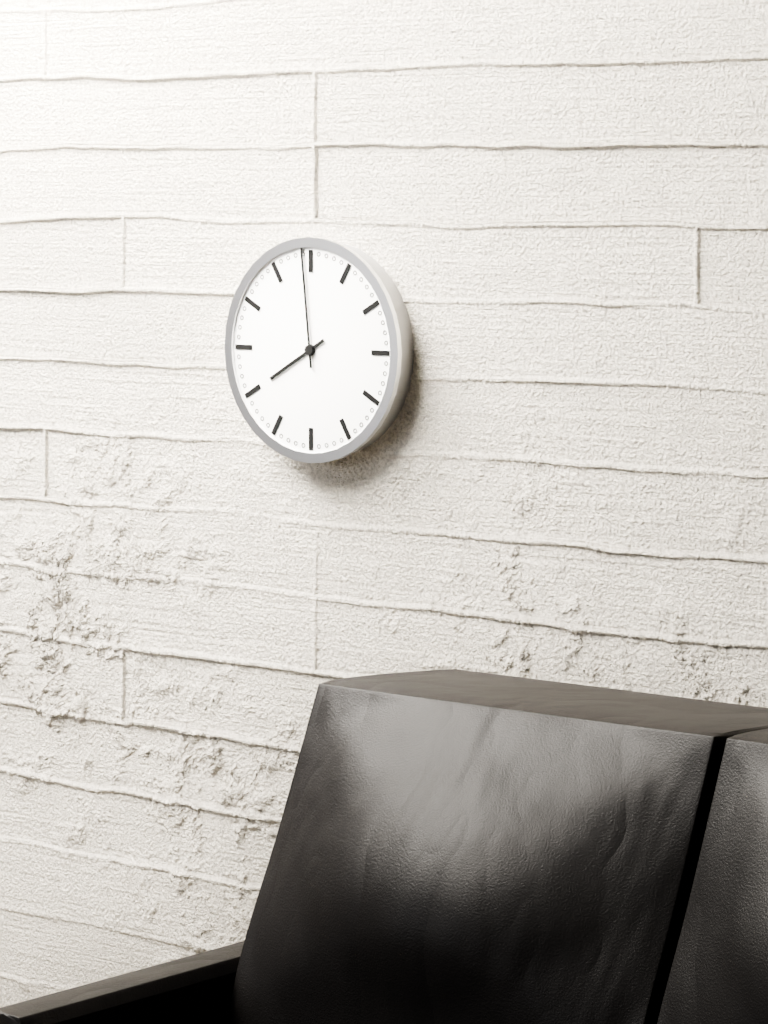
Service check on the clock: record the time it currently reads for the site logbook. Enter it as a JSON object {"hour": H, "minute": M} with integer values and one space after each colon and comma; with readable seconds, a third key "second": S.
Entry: {"hour": 7, "minute": 59}
